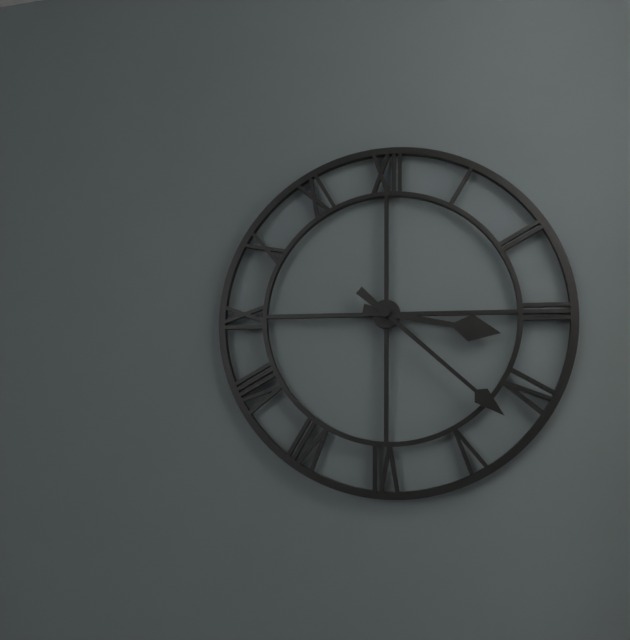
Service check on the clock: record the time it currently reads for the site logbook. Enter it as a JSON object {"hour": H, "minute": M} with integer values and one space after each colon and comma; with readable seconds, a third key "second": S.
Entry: {"hour": 3, "minute": 22}
